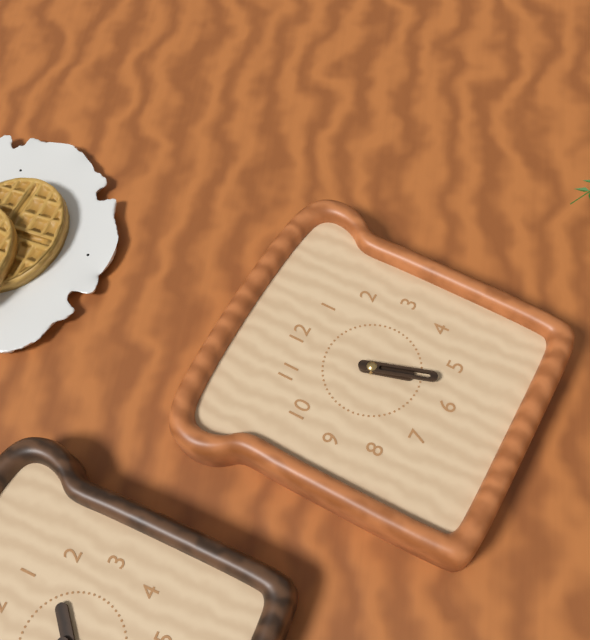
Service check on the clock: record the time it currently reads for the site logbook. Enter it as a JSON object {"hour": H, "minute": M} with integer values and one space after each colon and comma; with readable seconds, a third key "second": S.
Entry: {"hour": 5, "minute": 27}
